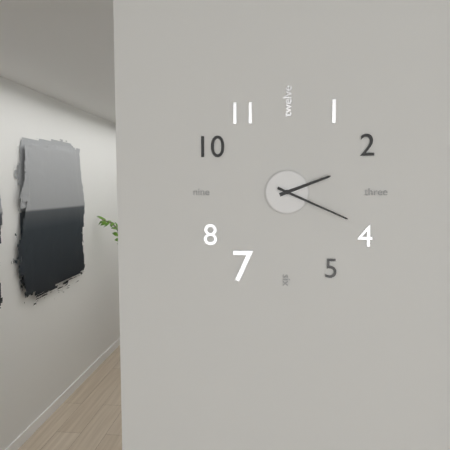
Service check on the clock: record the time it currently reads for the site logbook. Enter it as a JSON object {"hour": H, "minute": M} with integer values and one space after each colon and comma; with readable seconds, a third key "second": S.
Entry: {"hour": 2, "minute": 19}
